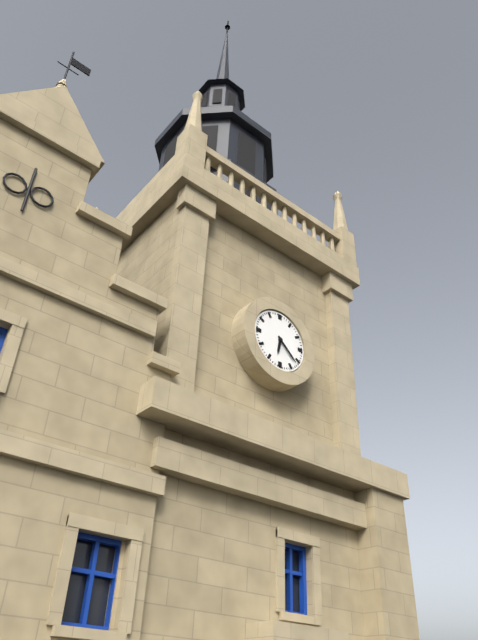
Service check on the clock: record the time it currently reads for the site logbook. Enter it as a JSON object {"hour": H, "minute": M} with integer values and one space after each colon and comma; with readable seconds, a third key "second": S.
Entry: {"hour": 6, "minute": 22}
